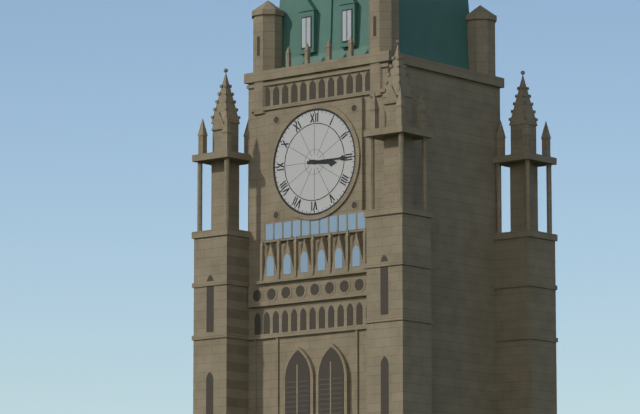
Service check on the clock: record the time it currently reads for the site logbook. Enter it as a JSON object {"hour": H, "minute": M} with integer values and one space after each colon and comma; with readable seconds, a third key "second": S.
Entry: {"hour": 3, "minute": 15}
